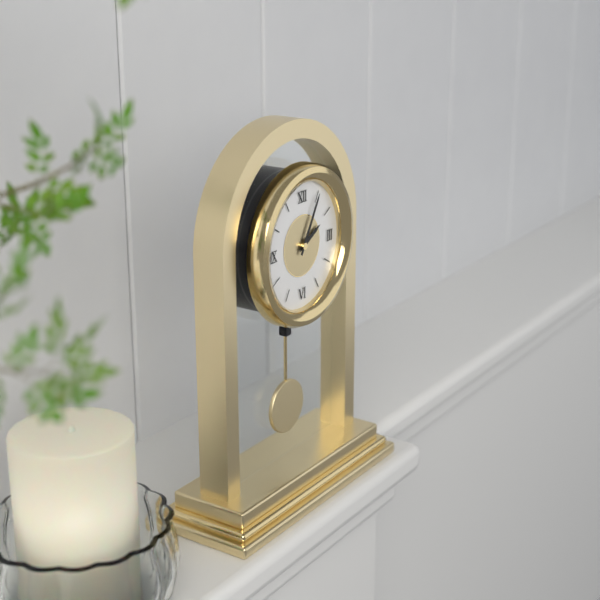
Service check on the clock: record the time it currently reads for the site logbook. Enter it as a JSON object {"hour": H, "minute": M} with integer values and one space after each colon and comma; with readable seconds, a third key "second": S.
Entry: {"hour": 2, "minute": 5}
